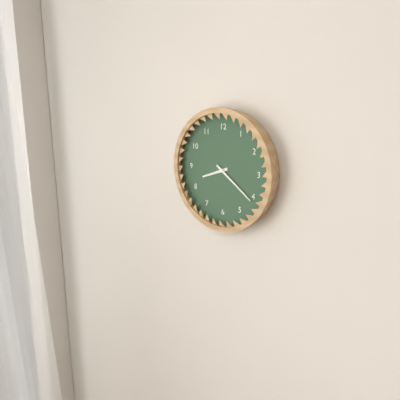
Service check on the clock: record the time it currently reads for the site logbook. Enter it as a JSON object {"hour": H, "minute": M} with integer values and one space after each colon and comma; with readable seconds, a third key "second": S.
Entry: {"hour": 8, "minute": 21}
